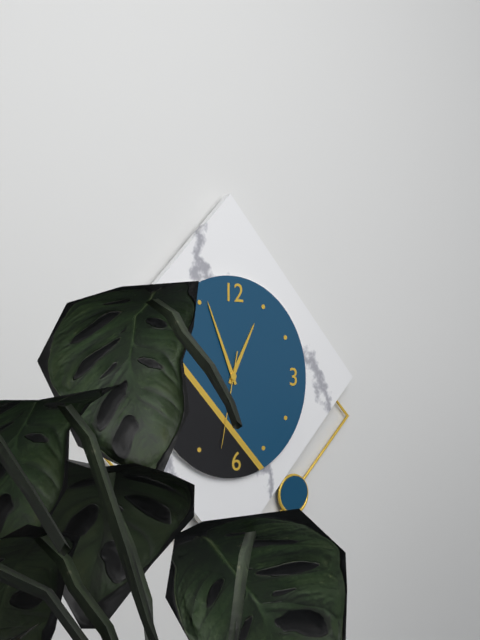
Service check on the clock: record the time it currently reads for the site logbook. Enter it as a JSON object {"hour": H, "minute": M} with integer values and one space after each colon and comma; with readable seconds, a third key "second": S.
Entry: {"hour": 12, "minute": 56, "second": 32}
